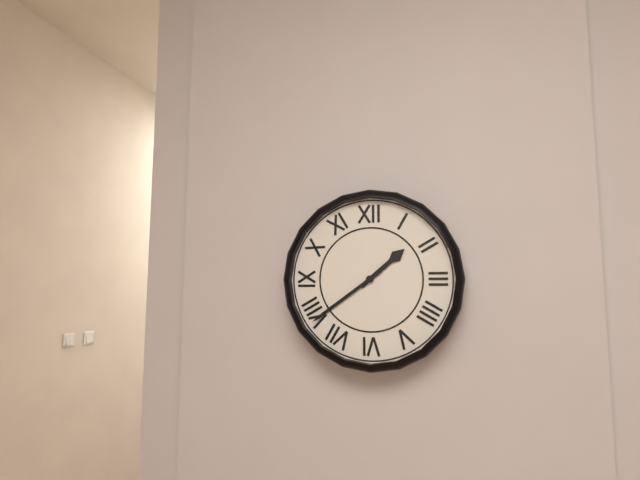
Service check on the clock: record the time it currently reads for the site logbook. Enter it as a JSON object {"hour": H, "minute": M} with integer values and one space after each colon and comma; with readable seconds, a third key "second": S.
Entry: {"hour": 1, "minute": 39}
